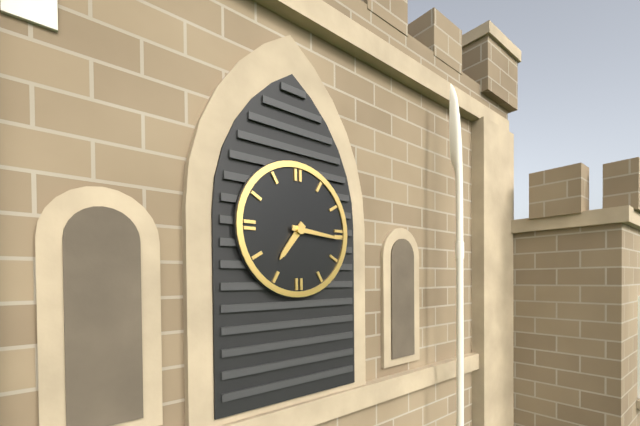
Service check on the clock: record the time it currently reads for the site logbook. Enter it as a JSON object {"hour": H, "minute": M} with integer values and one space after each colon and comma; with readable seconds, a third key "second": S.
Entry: {"hour": 7, "minute": 16}
